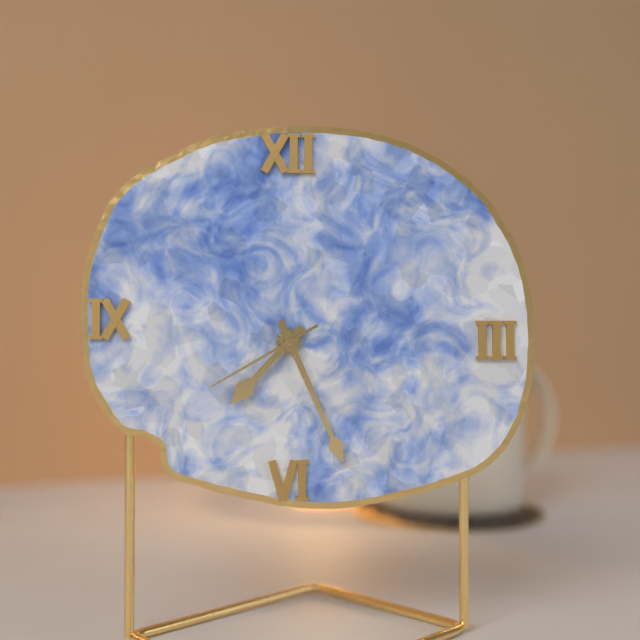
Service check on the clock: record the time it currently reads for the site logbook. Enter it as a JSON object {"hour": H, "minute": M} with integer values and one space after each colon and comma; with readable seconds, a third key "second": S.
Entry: {"hour": 7, "minute": 26, "second": 40}
